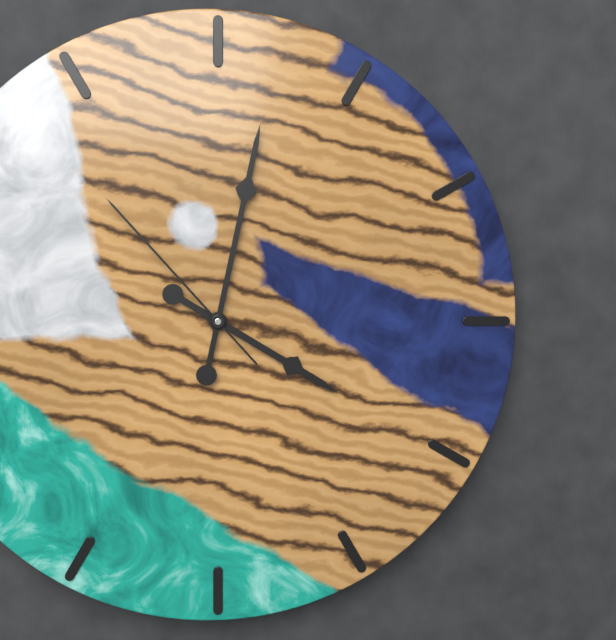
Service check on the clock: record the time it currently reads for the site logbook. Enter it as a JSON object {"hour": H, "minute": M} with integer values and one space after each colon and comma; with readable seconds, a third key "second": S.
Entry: {"hour": 4, "minute": 2, "second": 53}
